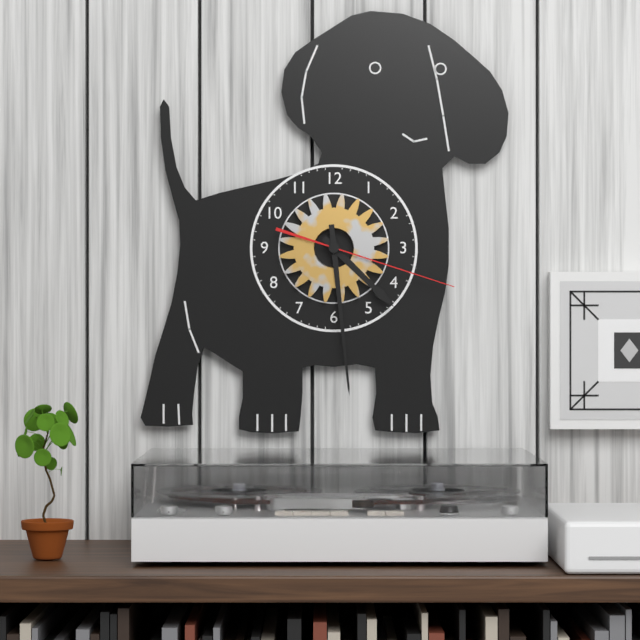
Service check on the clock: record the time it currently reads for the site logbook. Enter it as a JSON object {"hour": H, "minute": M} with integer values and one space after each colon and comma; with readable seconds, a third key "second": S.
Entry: {"hour": 4, "minute": 29, "second": 18}
